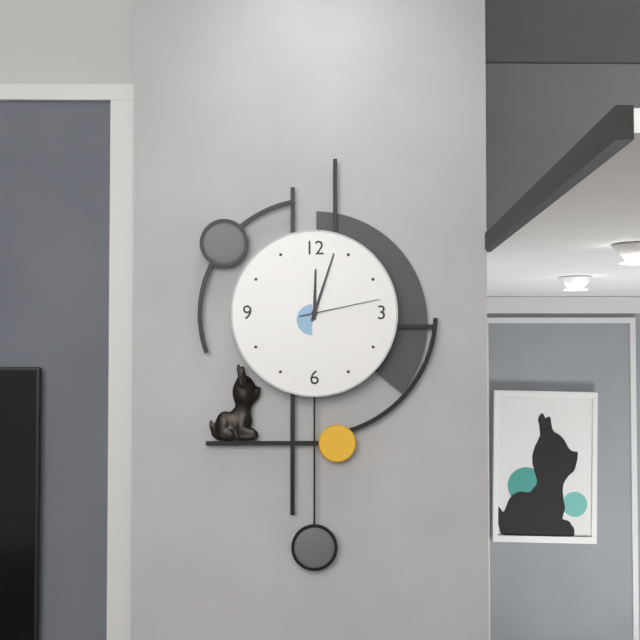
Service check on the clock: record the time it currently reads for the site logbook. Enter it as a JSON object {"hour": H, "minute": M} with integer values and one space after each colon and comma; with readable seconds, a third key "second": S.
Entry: {"hour": 12, "minute": 3, "second": 13}
